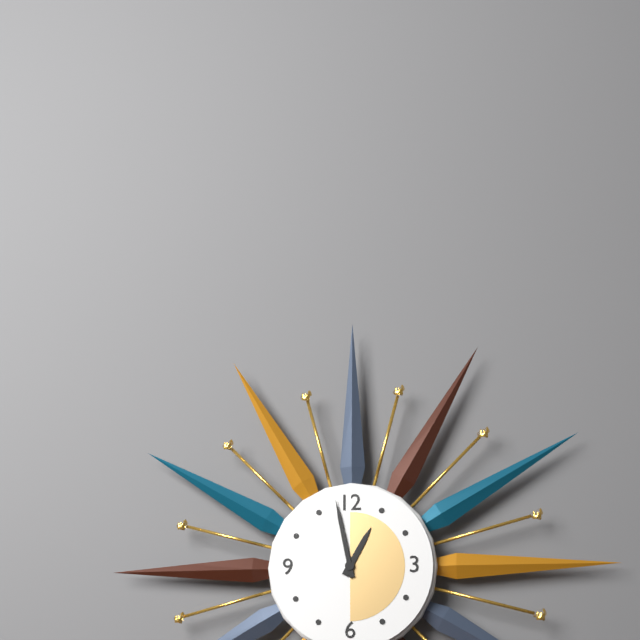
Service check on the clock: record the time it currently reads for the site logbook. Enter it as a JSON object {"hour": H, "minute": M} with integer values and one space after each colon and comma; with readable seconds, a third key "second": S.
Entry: {"hour": 12, "minute": 58}
